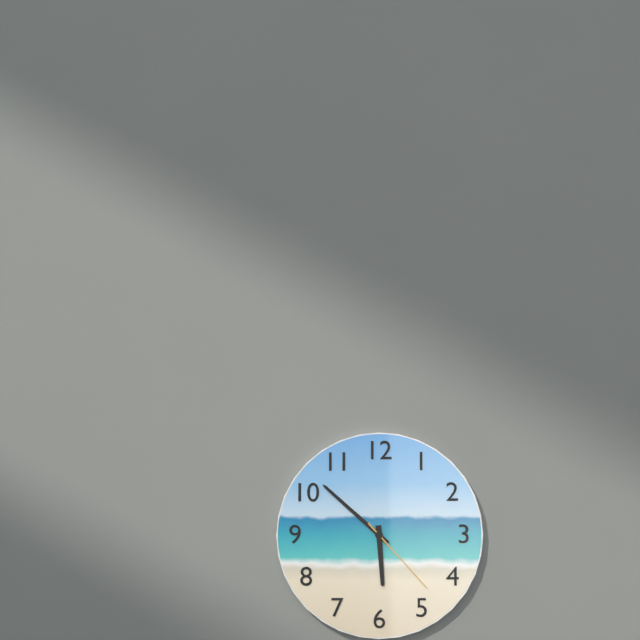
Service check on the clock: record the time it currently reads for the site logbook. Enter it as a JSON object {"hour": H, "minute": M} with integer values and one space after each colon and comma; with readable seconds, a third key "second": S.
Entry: {"hour": 5, "minute": 52, "second": 23}
